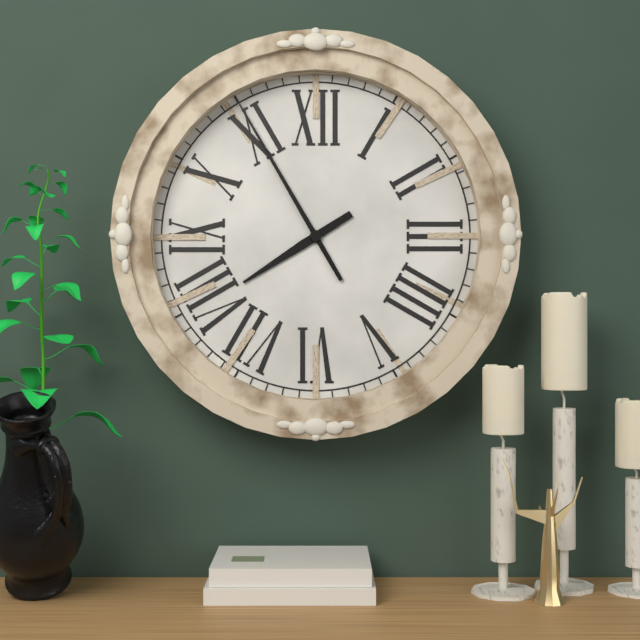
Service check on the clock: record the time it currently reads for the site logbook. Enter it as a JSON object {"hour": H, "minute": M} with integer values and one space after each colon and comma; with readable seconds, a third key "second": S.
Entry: {"hour": 7, "minute": 55}
